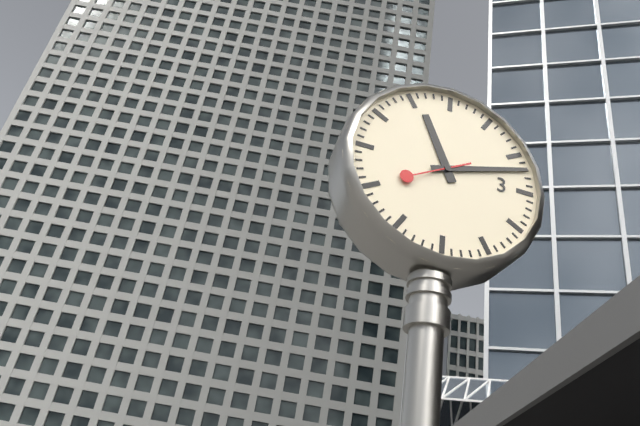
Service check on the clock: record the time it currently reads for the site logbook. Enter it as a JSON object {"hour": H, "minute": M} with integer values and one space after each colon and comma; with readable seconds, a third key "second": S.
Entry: {"hour": 11, "minute": 12, "second": 40}
